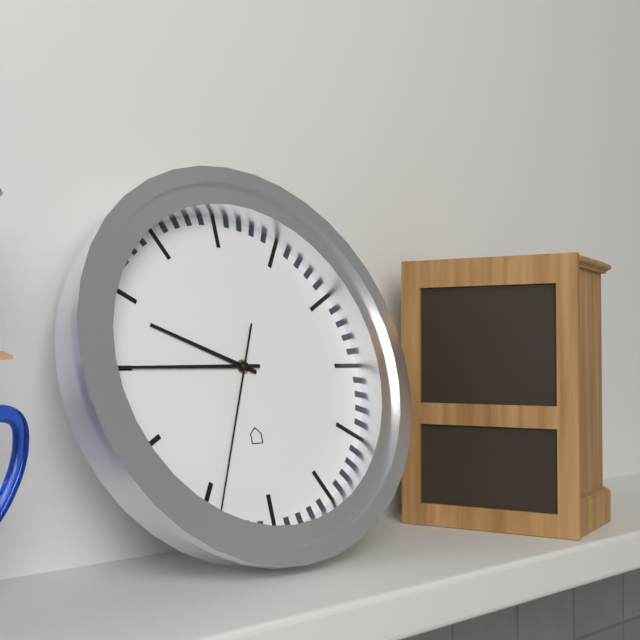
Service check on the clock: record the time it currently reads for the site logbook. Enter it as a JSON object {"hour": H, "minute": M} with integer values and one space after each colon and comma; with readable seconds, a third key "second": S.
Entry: {"hour": 9, "minute": 45, "second": 34}
